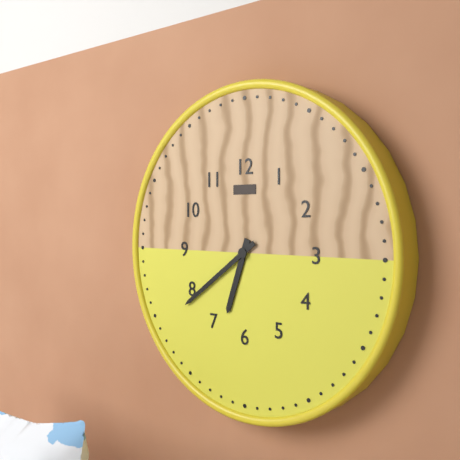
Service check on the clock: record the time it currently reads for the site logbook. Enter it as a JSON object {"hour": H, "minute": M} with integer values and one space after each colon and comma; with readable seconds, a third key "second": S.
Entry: {"hour": 6, "minute": 39}
